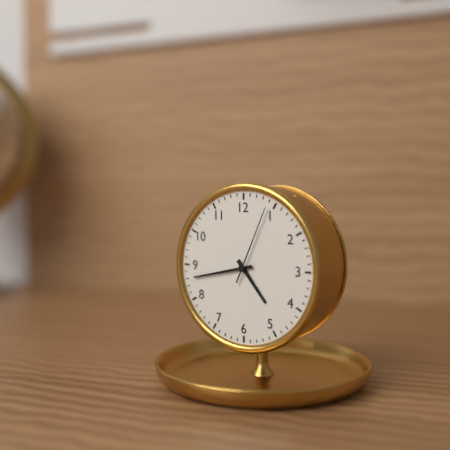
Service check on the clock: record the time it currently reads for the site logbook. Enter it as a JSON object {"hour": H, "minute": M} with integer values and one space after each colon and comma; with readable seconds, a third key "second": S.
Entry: {"hour": 4, "minute": 43, "second": 4}
